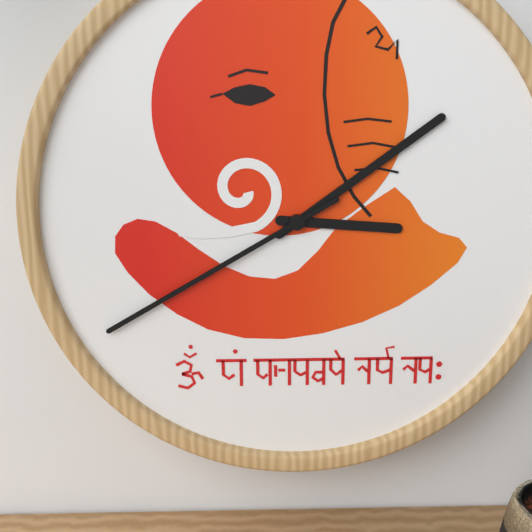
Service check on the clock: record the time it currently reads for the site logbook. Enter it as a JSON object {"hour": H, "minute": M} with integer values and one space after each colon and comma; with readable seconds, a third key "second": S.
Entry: {"hour": 3, "minute": 9, "second": 40}
